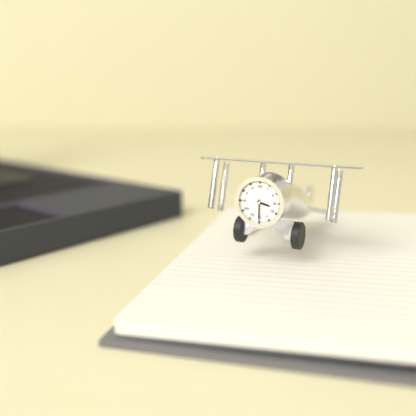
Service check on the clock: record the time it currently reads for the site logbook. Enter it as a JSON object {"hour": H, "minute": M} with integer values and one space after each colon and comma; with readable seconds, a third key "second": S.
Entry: {"hour": 3, "minute": 30}
